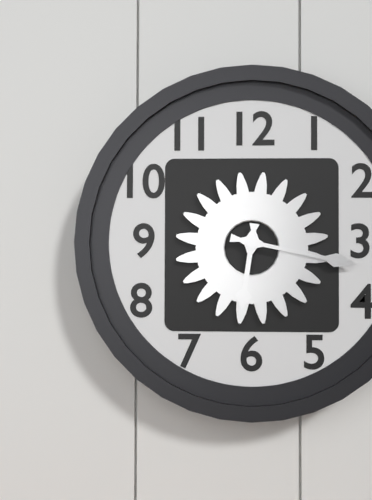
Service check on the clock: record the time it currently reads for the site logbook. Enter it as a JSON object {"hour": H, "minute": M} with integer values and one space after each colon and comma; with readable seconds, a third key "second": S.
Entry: {"hour": 6, "minute": 17}
